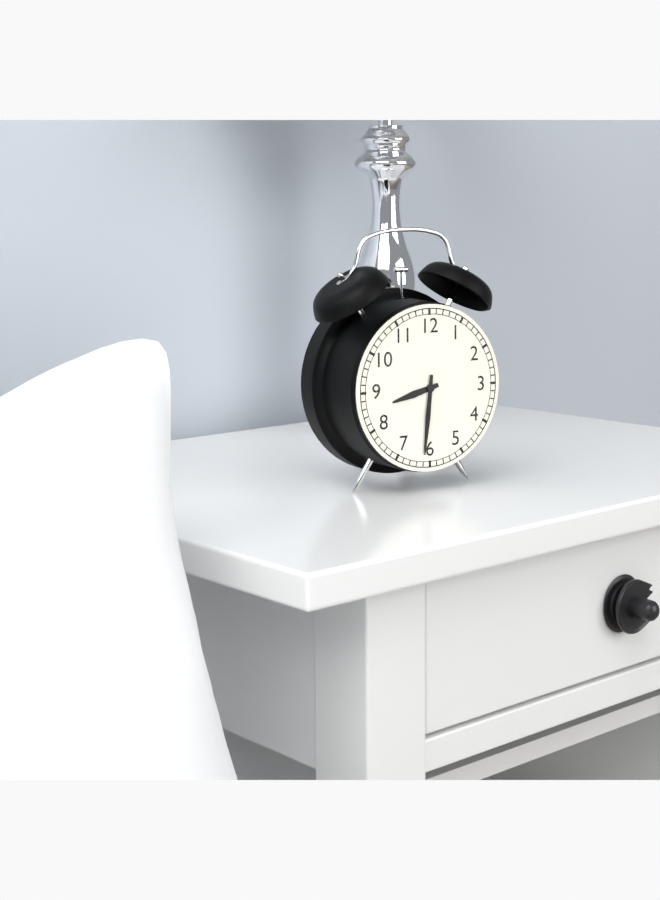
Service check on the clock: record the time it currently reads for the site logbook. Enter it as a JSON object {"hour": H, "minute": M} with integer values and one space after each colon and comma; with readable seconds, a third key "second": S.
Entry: {"hour": 8, "minute": 31}
